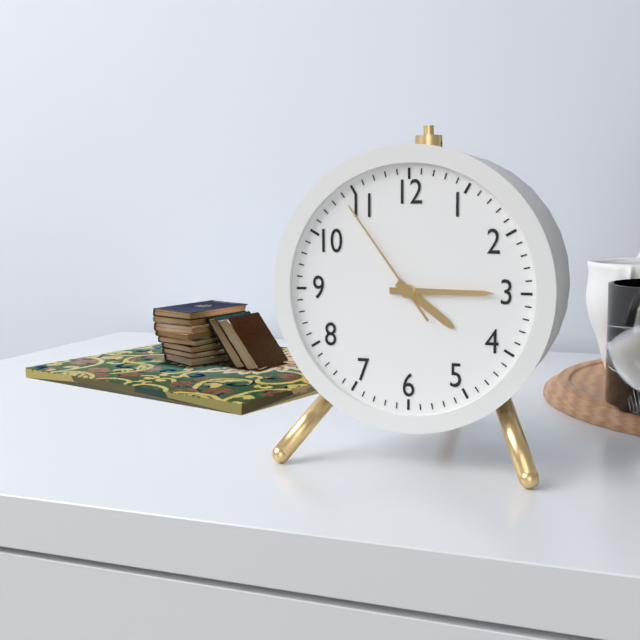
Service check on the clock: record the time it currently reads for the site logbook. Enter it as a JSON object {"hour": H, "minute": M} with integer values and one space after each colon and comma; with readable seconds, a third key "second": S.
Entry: {"hour": 4, "minute": 15, "second": 54}
